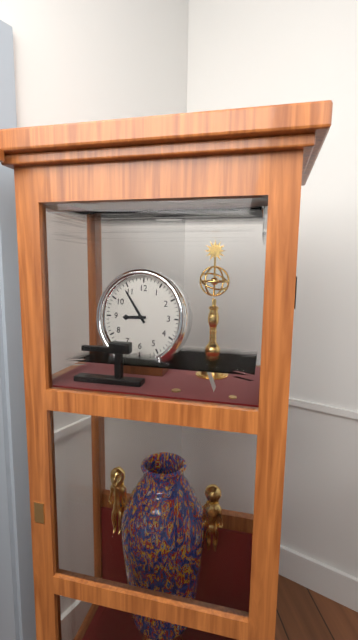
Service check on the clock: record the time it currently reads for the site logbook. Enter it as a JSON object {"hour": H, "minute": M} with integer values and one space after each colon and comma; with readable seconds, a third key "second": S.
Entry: {"hour": 8, "minute": 54}
